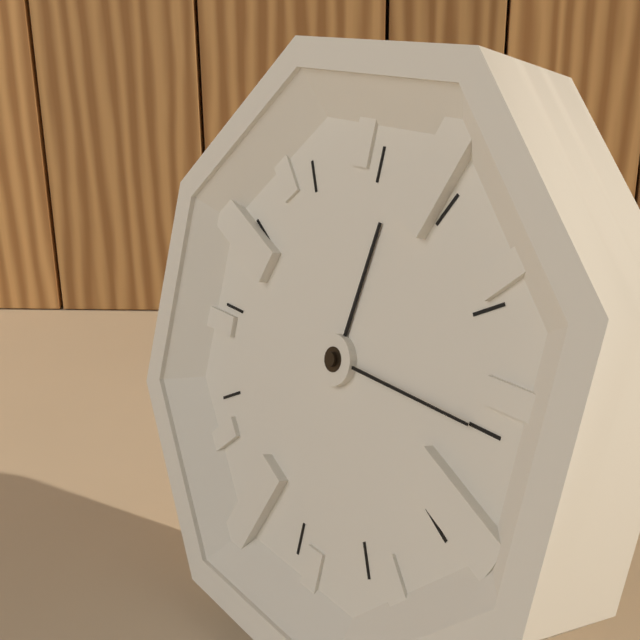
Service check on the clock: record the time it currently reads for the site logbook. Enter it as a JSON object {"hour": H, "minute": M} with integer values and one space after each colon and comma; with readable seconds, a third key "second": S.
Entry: {"hour": 12, "minute": 15}
